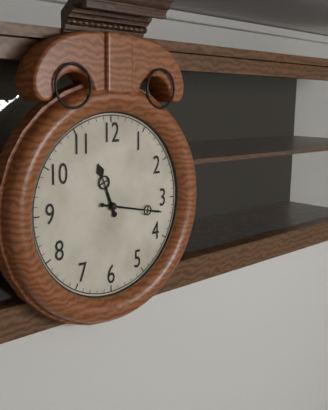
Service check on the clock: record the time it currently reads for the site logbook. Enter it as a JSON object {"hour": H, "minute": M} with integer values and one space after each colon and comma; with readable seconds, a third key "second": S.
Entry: {"hour": 11, "minute": 17}
